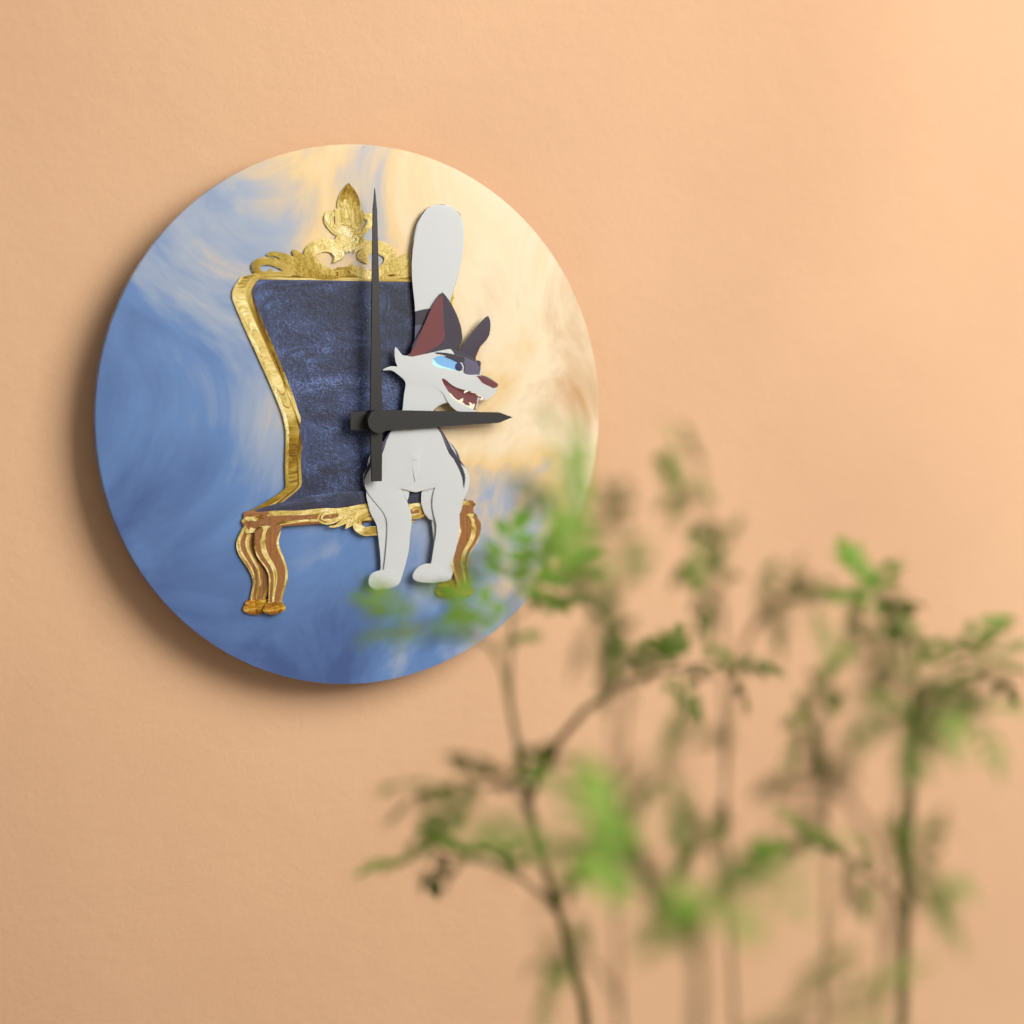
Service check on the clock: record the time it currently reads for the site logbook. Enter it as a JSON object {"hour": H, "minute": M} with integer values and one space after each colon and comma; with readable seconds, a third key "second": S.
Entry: {"hour": 3, "minute": 0}
